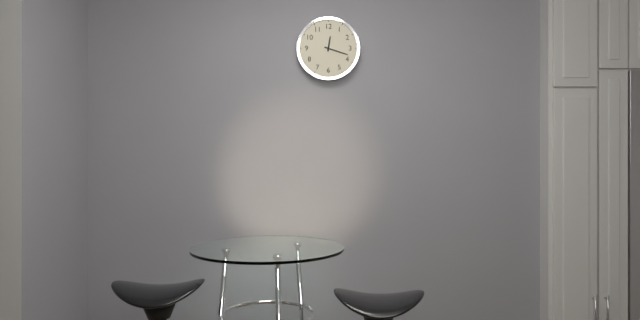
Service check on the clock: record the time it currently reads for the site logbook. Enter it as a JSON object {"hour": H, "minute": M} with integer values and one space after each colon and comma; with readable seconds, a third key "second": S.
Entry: {"hour": 12, "minute": 18}
